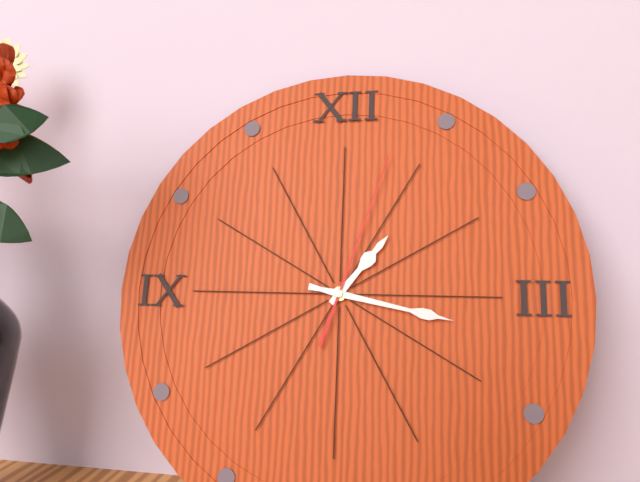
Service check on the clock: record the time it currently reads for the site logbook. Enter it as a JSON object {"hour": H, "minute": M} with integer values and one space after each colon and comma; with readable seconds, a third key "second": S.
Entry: {"hour": 1, "minute": 17, "second": 3}
